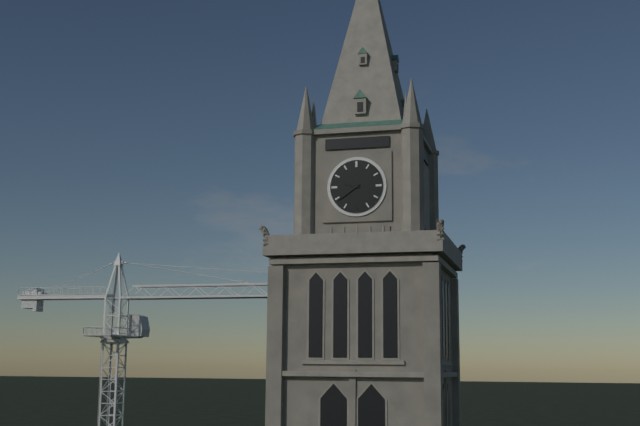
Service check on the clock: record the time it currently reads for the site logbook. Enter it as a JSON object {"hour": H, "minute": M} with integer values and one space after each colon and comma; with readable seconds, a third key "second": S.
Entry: {"hour": 9, "minute": 39}
